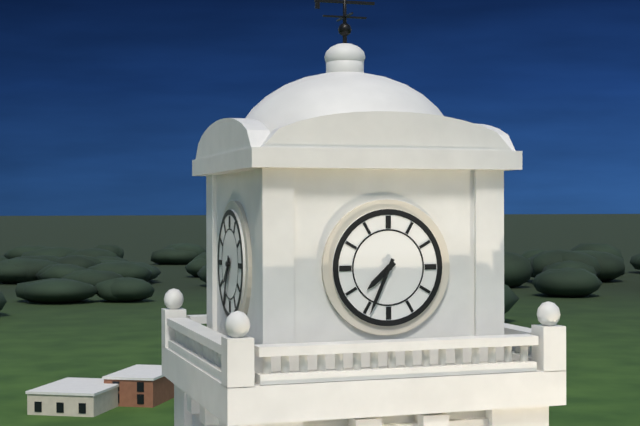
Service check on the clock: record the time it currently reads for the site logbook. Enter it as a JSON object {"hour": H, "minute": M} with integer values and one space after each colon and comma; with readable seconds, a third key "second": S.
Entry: {"hour": 7, "minute": 34}
